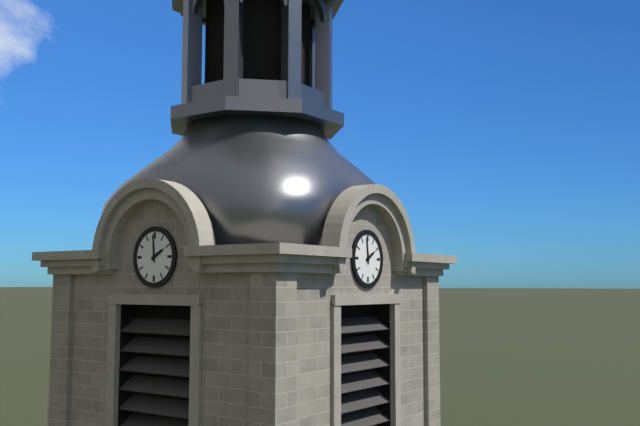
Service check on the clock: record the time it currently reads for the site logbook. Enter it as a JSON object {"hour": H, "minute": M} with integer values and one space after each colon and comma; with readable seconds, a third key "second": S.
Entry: {"hour": 1, "minute": 59}
